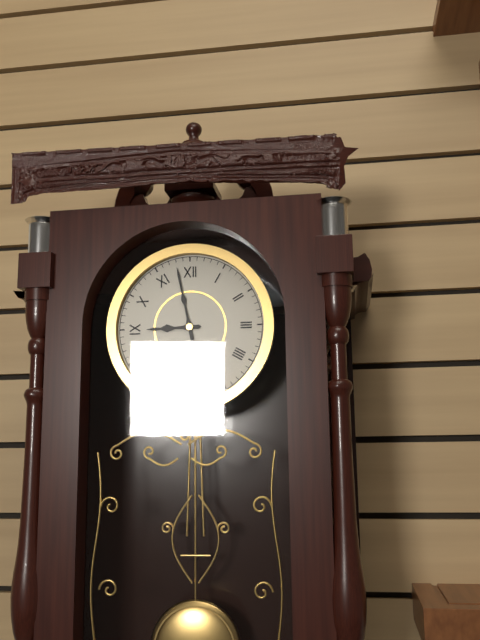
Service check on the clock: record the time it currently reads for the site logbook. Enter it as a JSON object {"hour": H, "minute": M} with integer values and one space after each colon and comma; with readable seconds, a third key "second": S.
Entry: {"hour": 8, "minute": 58}
